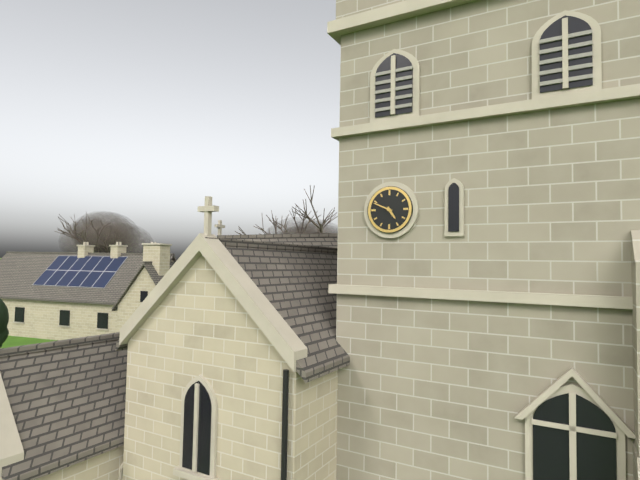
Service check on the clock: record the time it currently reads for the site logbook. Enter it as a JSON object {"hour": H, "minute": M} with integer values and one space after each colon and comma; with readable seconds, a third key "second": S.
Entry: {"hour": 4, "minute": 49}
